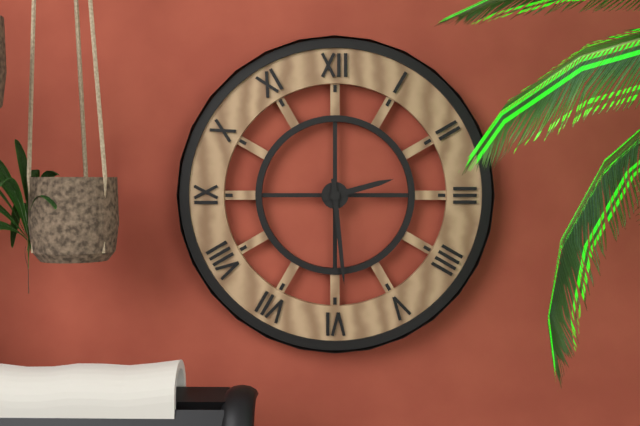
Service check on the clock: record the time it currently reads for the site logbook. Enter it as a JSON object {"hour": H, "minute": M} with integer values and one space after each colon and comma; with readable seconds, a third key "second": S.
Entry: {"hour": 2, "minute": 29}
